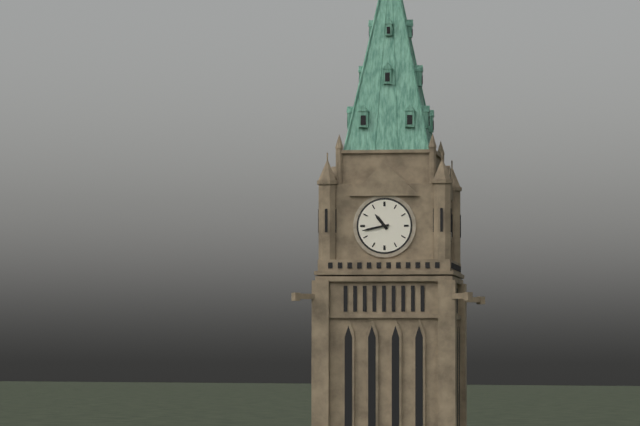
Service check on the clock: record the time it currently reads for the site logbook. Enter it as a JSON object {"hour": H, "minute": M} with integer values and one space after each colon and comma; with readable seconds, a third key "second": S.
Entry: {"hour": 10, "minute": 43}
